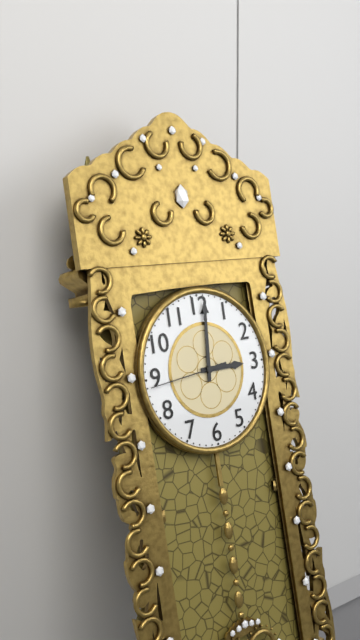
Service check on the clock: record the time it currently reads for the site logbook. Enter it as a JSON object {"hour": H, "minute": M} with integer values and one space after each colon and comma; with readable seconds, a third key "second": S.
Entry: {"hour": 3, "minute": 1, "second": 44}
